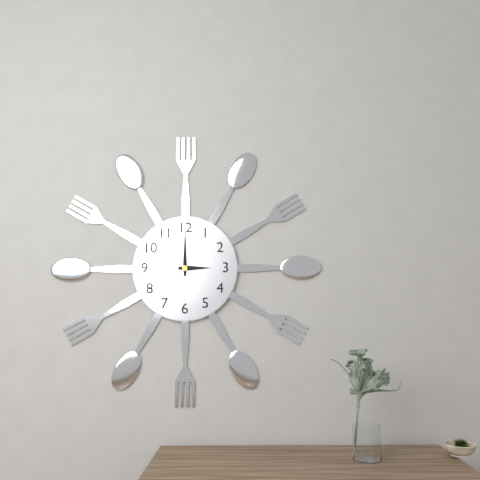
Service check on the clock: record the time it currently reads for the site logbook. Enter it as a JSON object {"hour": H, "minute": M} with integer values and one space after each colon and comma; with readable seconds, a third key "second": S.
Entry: {"hour": 3, "minute": 0}
